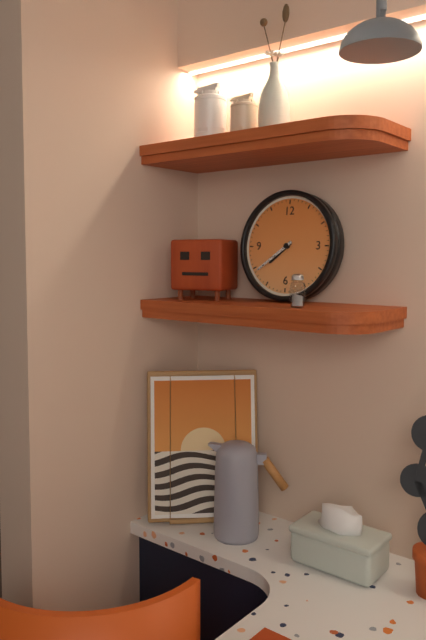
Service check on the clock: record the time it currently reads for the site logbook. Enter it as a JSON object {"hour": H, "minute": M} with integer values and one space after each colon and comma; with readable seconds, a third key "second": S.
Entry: {"hour": 7, "minute": 39}
